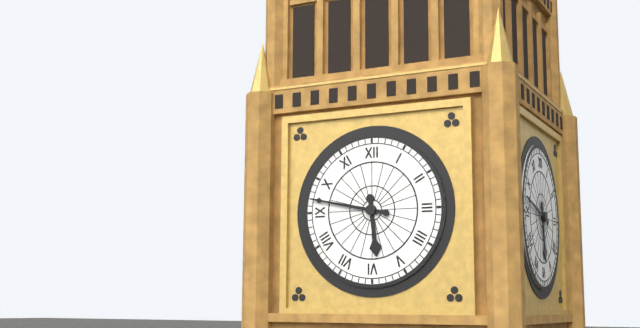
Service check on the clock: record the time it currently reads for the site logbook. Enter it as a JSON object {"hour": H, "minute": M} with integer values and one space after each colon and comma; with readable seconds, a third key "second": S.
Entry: {"hour": 5, "minute": 47}
